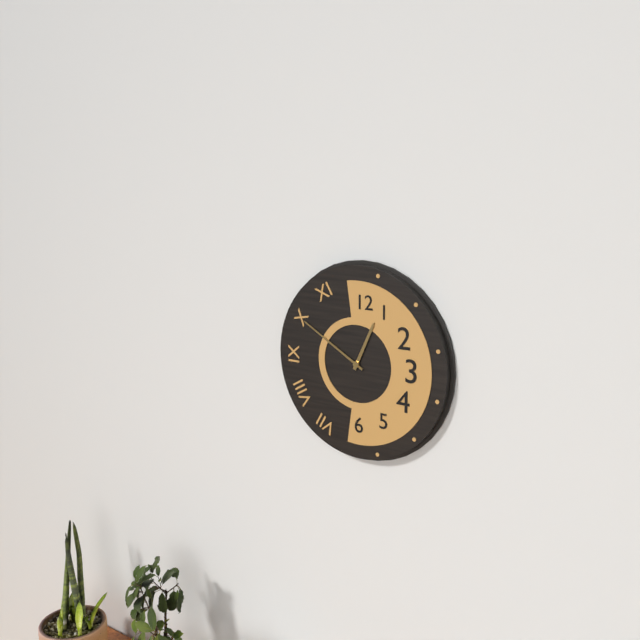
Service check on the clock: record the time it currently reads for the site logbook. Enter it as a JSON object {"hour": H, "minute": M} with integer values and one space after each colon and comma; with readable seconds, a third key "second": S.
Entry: {"hour": 12, "minute": 50}
